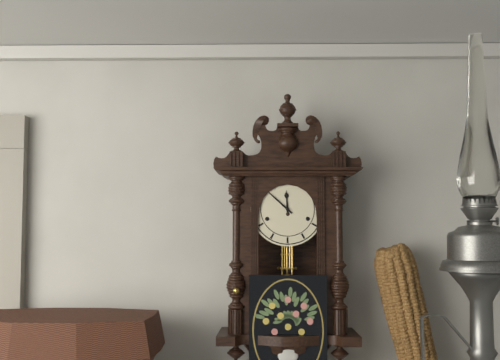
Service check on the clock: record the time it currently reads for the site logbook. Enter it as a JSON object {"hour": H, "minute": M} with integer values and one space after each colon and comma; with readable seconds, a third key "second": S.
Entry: {"hour": 11, "minute": 52}
